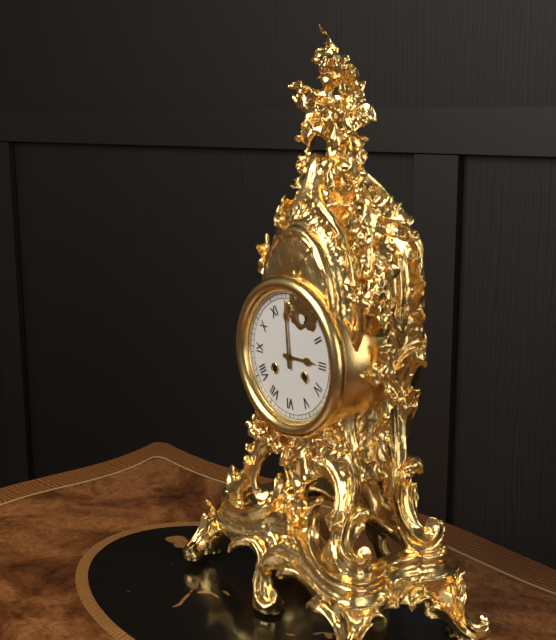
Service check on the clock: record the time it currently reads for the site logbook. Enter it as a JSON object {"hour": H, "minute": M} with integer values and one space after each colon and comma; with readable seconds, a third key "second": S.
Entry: {"hour": 2, "minute": 59}
